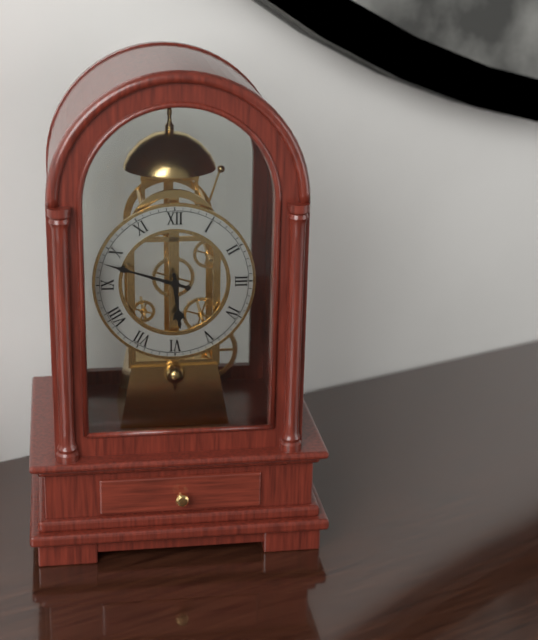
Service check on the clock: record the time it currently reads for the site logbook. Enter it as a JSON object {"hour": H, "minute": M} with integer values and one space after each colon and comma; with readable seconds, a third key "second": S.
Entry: {"hour": 5, "minute": 48}
